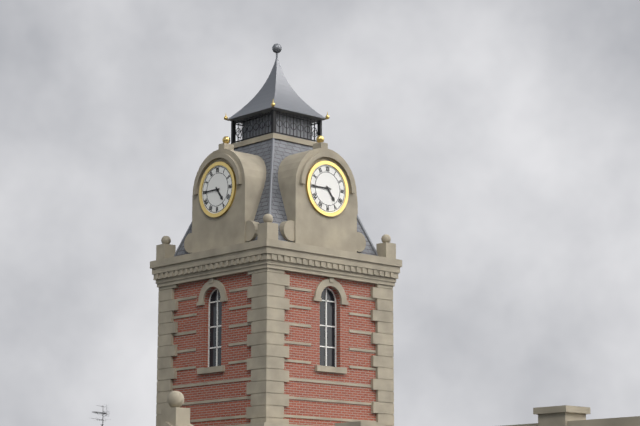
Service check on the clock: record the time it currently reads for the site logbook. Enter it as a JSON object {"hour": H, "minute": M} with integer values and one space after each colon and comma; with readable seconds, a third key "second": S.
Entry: {"hour": 4, "minute": 45}
